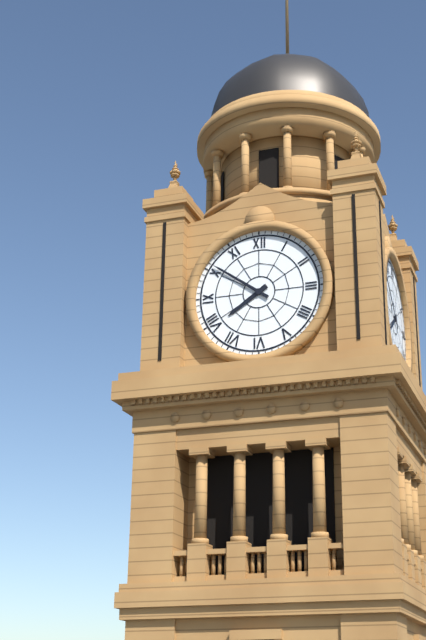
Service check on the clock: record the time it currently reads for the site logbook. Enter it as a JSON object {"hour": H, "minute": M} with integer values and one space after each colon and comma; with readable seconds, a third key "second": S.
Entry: {"hour": 7, "minute": 51}
